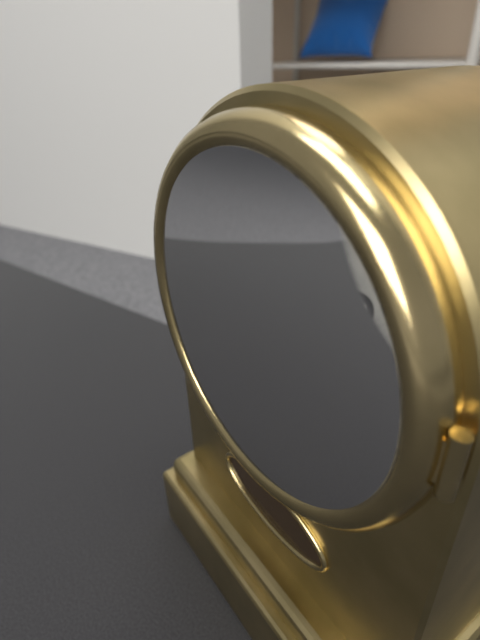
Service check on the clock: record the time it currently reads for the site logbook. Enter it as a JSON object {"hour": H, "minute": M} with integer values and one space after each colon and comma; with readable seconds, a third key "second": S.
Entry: {"hour": 1, "minute": 23}
